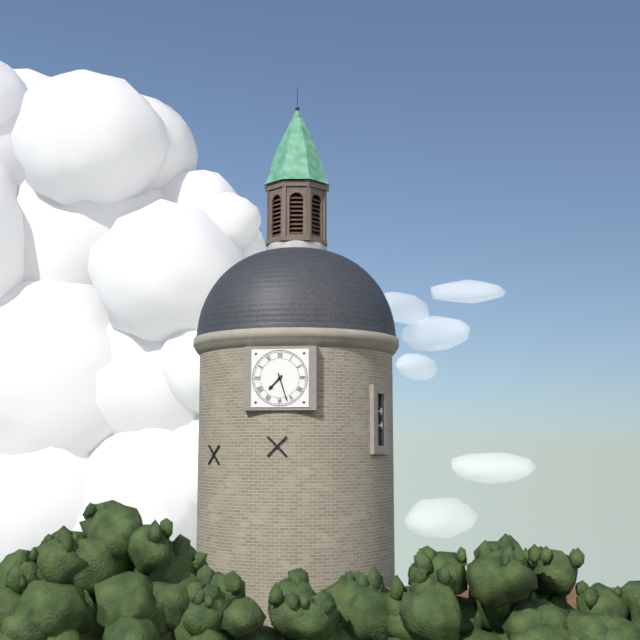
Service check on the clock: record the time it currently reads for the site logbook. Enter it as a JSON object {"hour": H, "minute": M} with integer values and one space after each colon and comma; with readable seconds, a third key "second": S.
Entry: {"hour": 7, "minute": 27}
